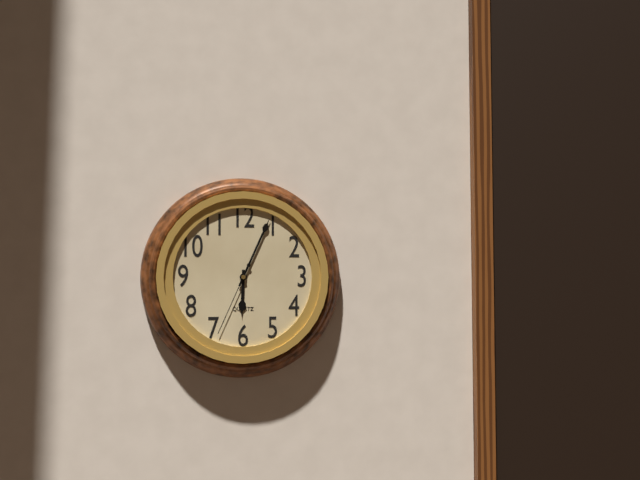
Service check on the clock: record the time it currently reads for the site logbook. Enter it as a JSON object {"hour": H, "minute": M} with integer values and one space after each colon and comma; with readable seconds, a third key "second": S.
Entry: {"hour": 6, "minute": 4, "second": 34}
